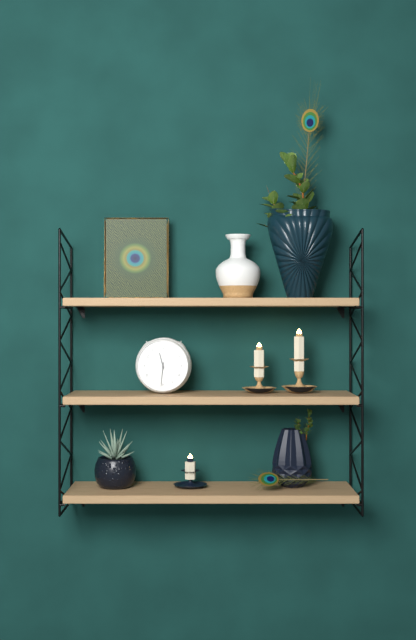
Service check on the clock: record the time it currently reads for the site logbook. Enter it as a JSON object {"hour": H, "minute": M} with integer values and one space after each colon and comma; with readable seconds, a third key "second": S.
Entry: {"hour": 11, "minute": 31}
